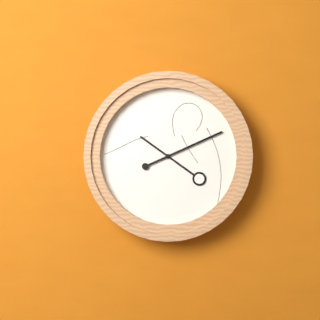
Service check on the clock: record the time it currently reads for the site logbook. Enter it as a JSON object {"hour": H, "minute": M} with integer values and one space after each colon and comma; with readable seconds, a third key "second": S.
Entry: {"hour": 10, "minute": 11}
